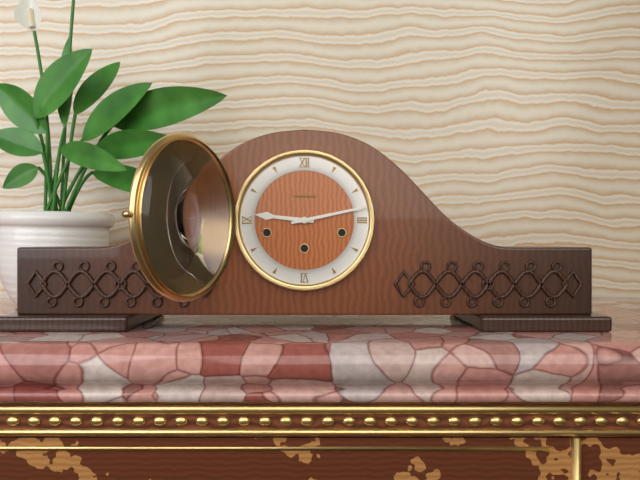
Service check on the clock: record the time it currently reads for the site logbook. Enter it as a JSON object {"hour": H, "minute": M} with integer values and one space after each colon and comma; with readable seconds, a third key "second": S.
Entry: {"hour": 9, "minute": 13}
